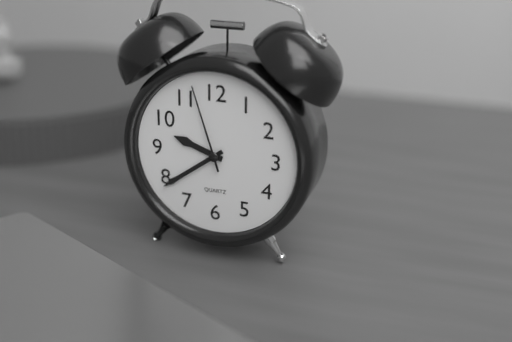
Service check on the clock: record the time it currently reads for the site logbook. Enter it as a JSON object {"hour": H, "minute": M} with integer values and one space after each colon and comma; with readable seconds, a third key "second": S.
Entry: {"hour": 9, "minute": 39, "second": 57}
